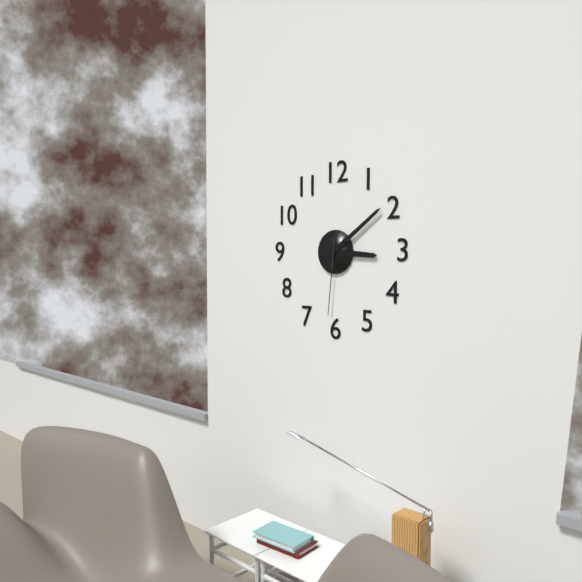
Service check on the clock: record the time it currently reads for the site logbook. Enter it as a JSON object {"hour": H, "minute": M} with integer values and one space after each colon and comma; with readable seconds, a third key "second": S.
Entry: {"hour": 3, "minute": 9, "second": 31}
